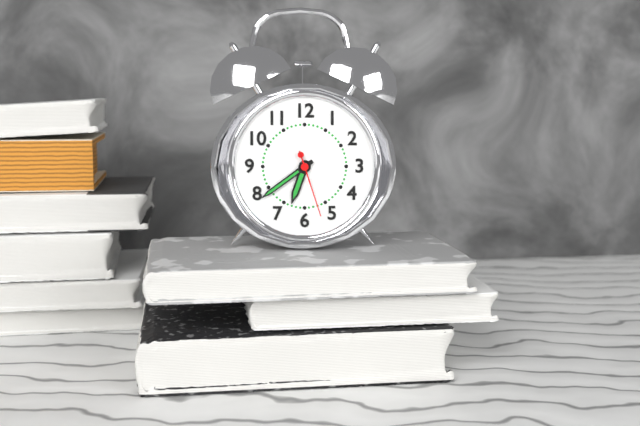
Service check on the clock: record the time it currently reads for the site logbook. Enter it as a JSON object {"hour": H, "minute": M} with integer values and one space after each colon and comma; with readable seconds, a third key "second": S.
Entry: {"hour": 6, "minute": 39, "second": 27}
